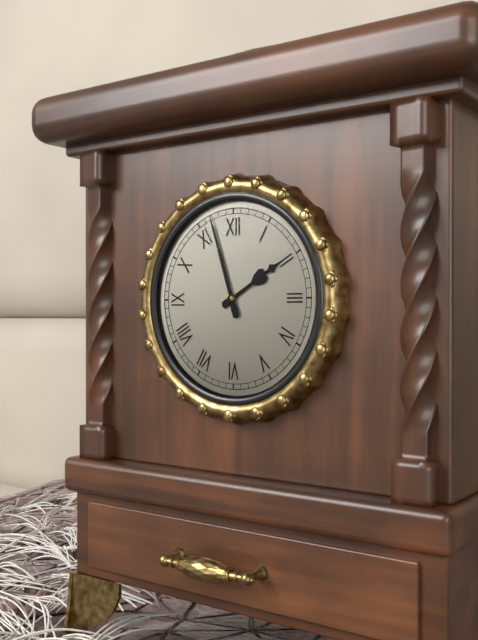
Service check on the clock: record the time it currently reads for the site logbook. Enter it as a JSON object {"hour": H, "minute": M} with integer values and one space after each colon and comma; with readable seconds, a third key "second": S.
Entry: {"hour": 1, "minute": 57}
